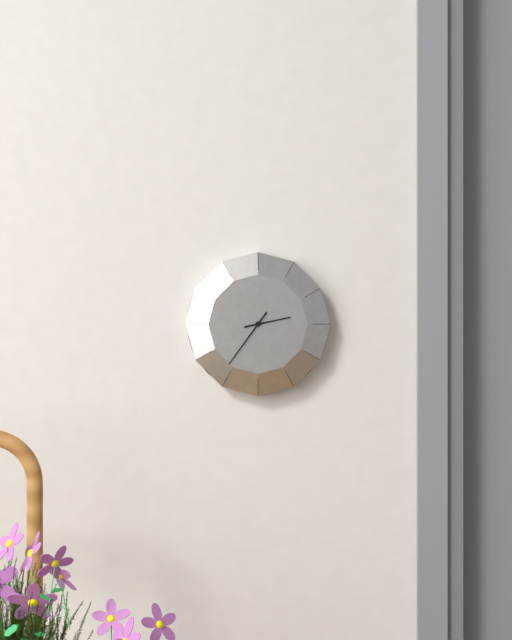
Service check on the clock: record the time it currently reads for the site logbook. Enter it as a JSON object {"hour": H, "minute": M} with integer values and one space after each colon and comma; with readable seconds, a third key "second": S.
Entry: {"hour": 2, "minute": 36}
